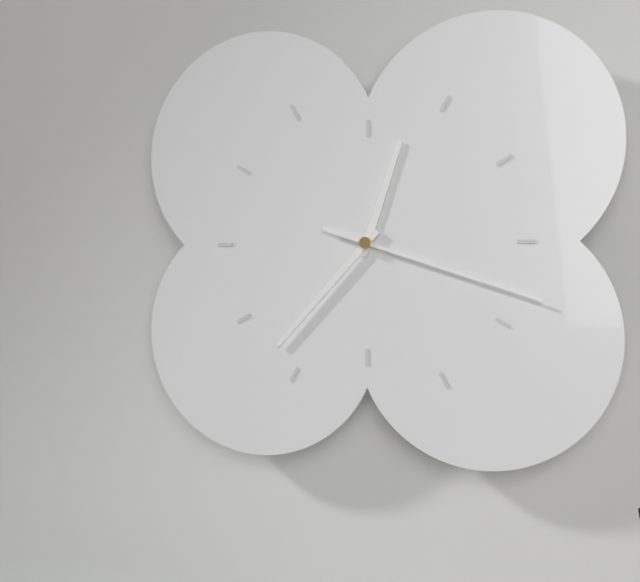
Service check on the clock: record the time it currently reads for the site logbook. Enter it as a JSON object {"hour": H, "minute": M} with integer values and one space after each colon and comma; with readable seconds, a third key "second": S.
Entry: {"hour": 12, "minute": 37, "second": 18}
